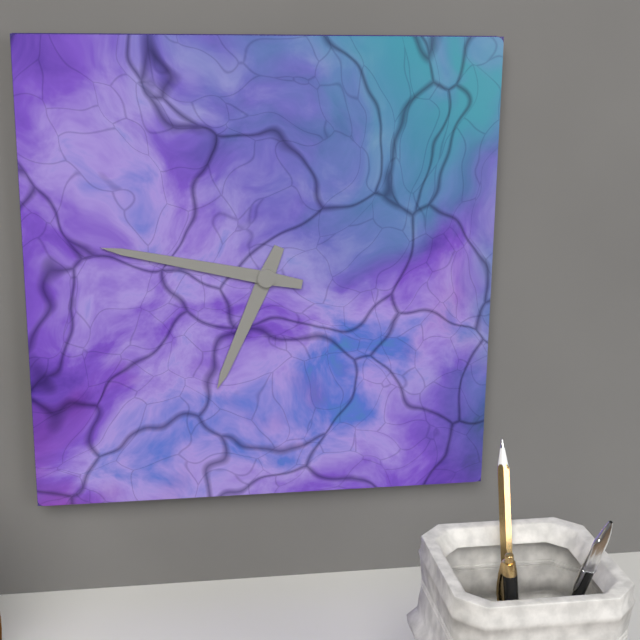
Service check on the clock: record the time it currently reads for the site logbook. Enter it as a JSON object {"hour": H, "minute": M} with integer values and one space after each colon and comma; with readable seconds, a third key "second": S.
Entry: {"hour": 6, "minute": 47}
